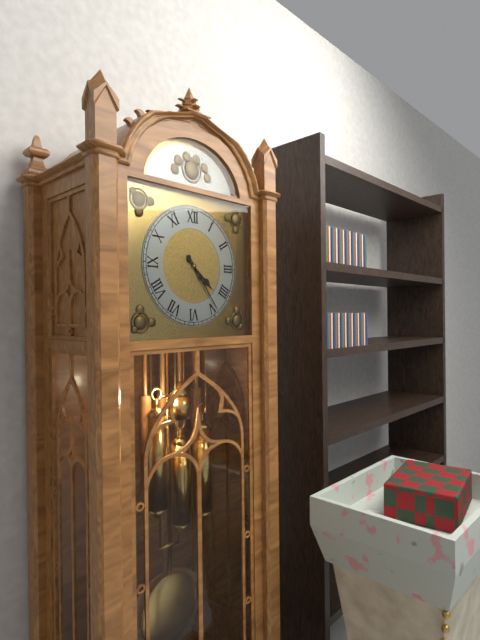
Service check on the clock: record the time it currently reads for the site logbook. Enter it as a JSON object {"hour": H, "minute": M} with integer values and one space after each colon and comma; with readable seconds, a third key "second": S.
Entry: {"hour": 4, "minute": 24}
